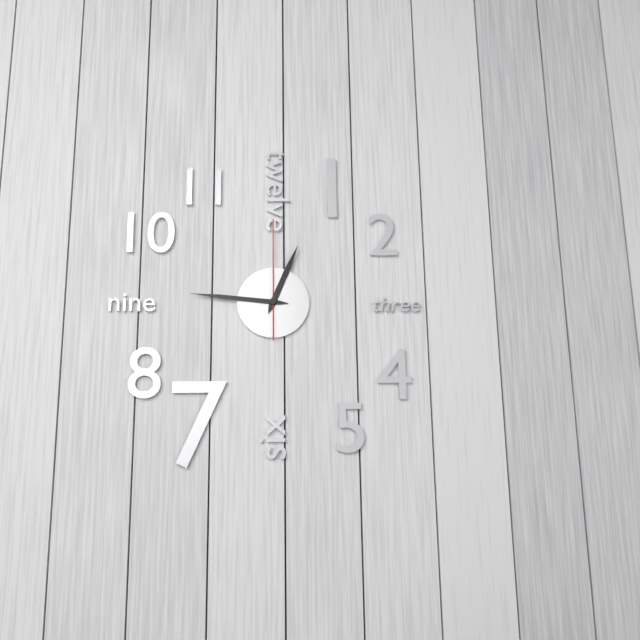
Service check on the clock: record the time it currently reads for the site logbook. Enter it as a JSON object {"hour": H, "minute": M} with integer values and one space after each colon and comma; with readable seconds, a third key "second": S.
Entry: {"hour": 12, "minute": 46, "second": 0}
